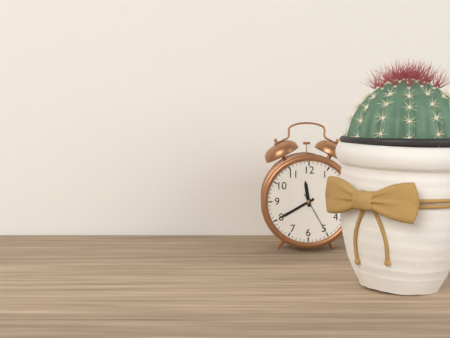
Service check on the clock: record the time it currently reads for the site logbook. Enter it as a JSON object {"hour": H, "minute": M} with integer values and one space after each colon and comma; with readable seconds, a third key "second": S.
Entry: {"hour": 11, "minute": 40}
